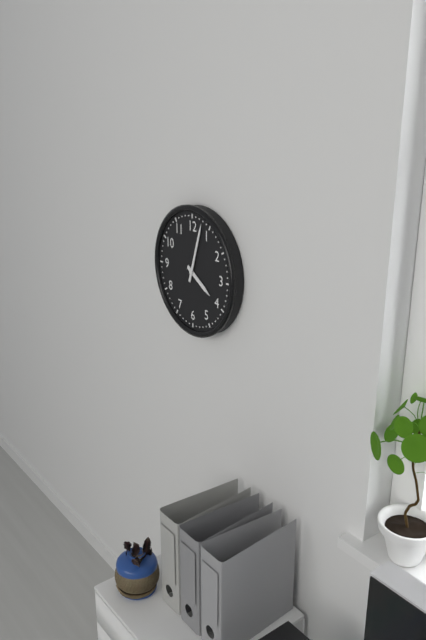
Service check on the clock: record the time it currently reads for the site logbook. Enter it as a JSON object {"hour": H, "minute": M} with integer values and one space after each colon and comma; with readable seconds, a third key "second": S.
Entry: {"hour": 4, "minute": 3}
